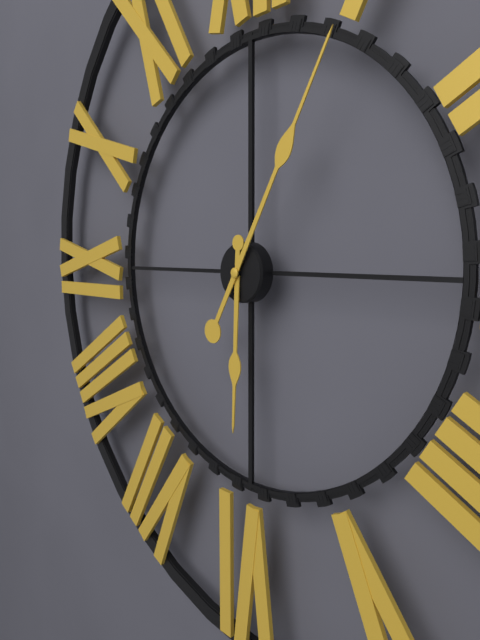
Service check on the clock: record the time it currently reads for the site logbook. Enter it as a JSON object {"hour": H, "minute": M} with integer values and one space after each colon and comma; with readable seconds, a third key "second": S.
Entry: {"hour": 6, "minute": 5}
